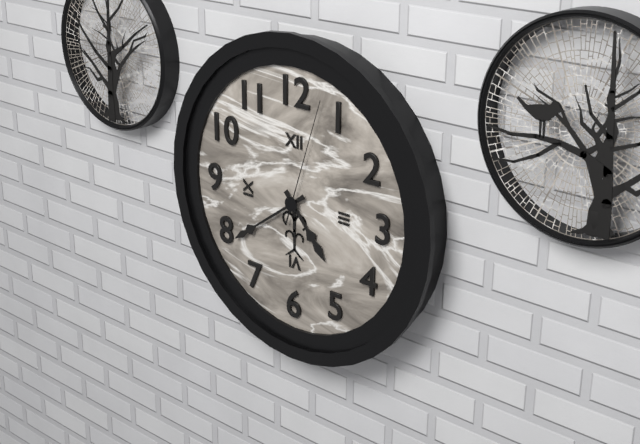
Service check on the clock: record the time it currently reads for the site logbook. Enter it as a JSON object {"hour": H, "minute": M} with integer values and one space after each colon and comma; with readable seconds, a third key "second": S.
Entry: {"hour": 4, "minute": 39, "second": 3}
